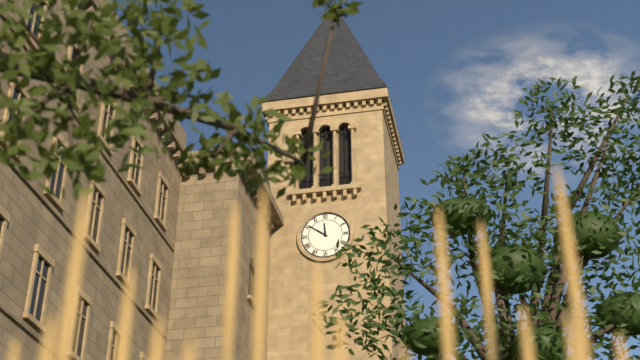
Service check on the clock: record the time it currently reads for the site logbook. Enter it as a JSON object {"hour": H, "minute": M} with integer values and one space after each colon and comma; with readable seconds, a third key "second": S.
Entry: {"hour": 11, "minute": 51}
